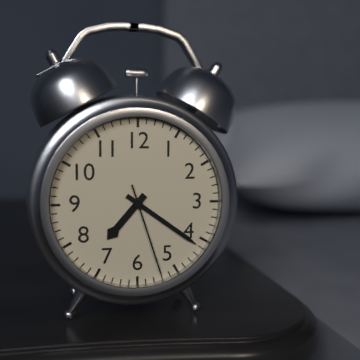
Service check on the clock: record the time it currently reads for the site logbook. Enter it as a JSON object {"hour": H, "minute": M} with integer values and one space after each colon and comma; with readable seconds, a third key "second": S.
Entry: {"hour": 7, "minute": 21, "second": 27}
